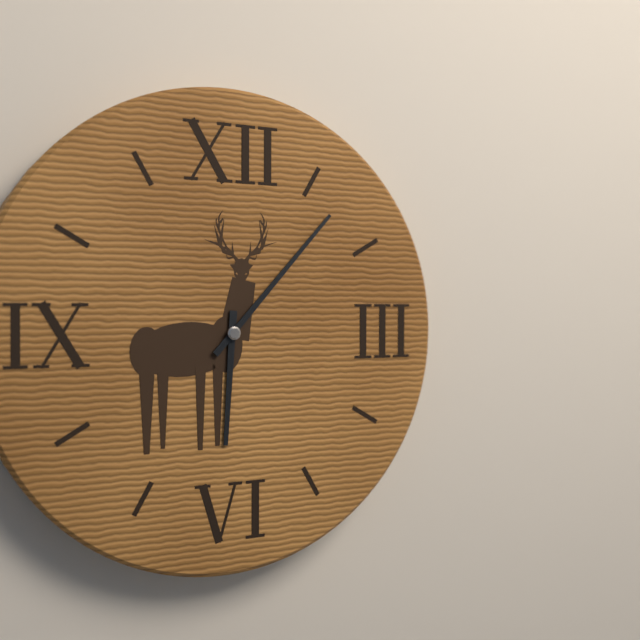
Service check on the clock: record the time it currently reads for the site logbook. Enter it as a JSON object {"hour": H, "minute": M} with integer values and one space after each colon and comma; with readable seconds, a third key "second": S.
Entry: {"hour": 6, "minute": 7}
